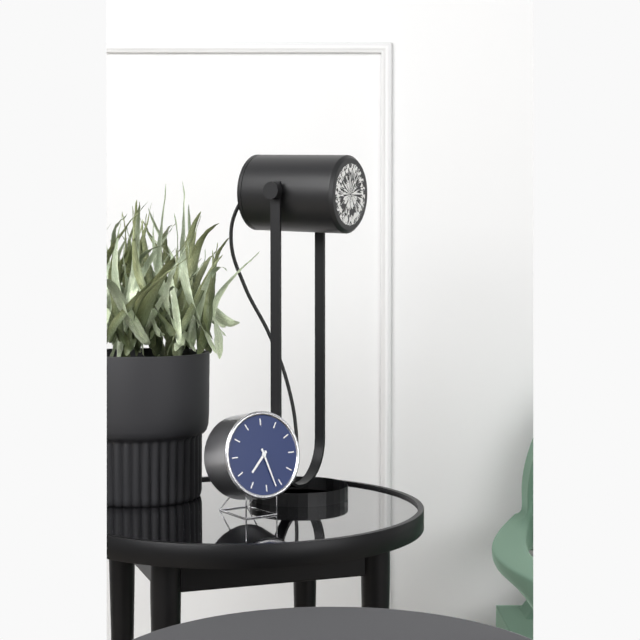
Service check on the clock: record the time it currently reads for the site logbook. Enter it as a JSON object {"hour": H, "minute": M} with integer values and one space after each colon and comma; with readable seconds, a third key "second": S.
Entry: {"hour": 7, "minute": 27}
